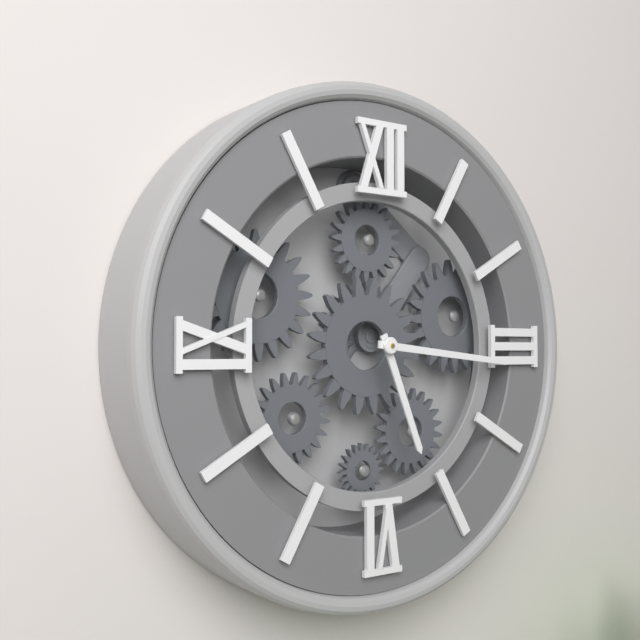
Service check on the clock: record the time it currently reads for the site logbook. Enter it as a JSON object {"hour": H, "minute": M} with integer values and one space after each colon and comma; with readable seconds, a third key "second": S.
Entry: {"hour": 5, "minute": 16}
